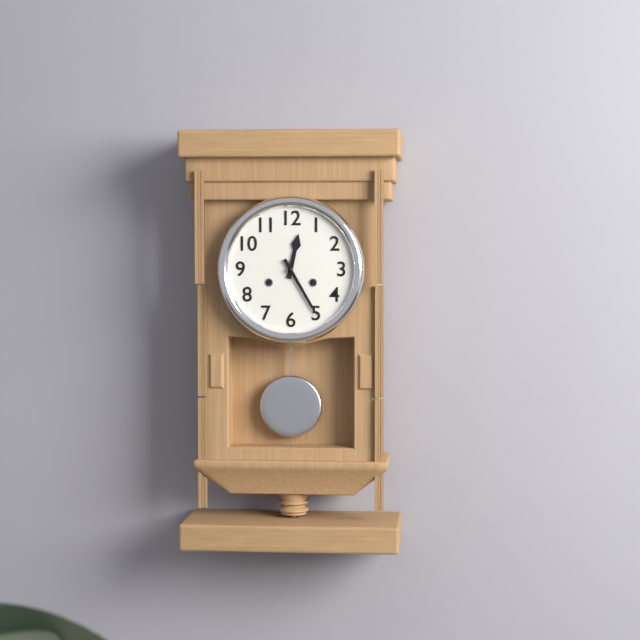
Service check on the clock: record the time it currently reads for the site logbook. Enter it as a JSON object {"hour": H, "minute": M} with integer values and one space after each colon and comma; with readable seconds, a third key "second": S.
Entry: {"hour": 12, "minute": 25}
